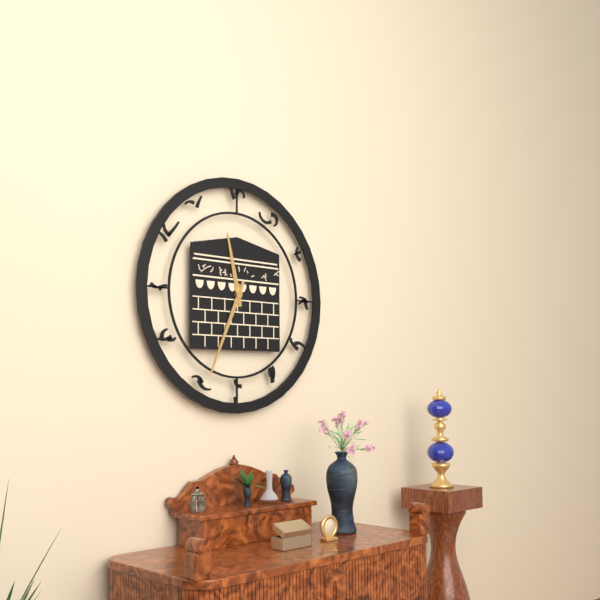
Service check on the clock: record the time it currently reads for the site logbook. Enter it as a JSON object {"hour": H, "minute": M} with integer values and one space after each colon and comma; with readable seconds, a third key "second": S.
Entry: {"hour": 11, "minute": 34}
